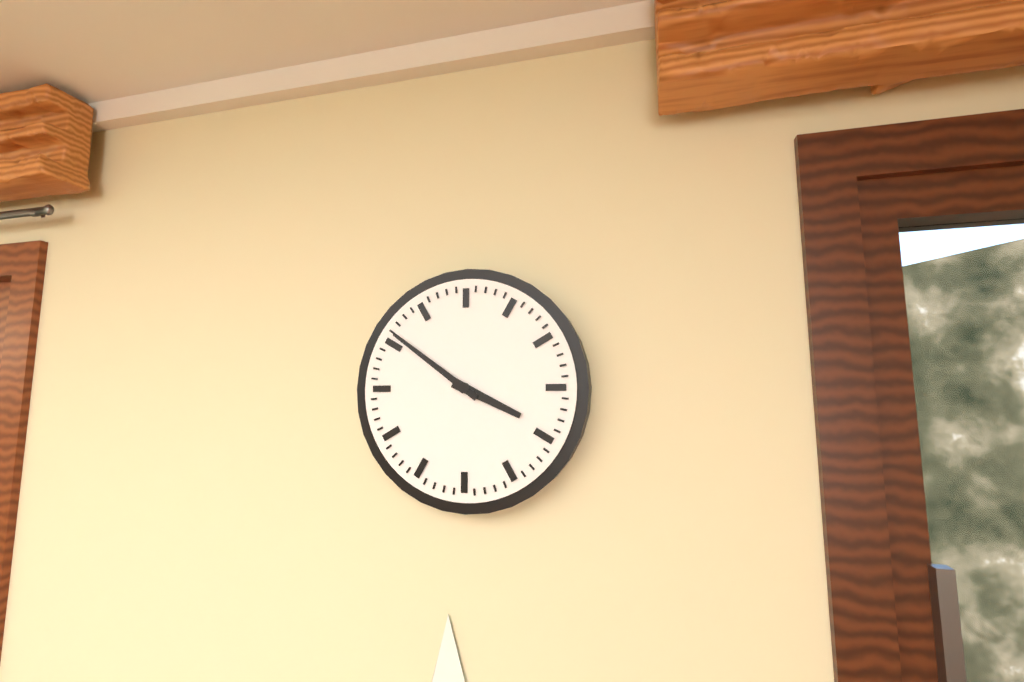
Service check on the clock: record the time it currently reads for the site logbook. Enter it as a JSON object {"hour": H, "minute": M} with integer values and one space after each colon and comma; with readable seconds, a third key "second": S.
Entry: {"hour": 3, "minute": 51}
